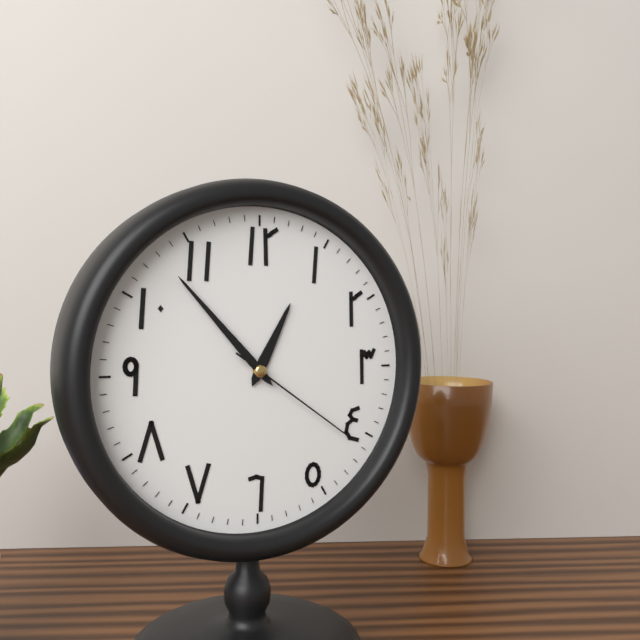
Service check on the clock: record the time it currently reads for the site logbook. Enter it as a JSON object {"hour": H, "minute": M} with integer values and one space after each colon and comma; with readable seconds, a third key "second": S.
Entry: {"hour": 12, "minute": 53, "second": 21}
